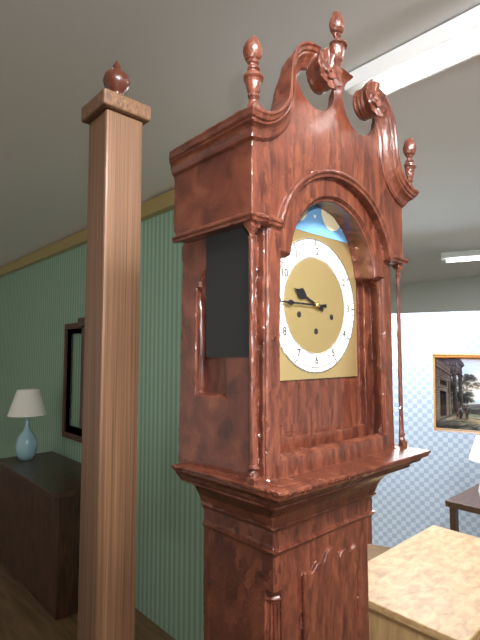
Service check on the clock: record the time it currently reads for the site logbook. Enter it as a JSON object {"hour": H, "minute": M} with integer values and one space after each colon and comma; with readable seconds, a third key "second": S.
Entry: {"hour": 9, "minute": 45}
